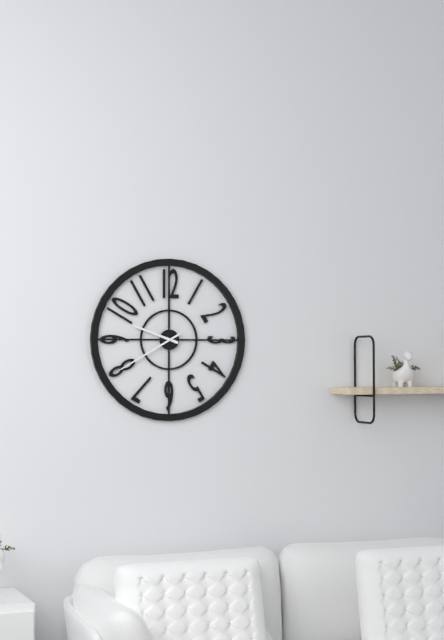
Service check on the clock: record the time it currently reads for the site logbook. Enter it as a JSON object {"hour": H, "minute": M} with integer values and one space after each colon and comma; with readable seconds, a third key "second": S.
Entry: {"hour": 9, "minute": 40}
